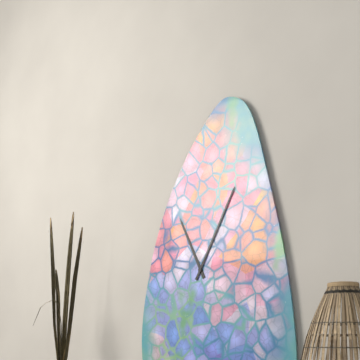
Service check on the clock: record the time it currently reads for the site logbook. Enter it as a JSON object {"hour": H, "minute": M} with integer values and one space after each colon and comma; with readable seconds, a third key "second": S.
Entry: {"hour": 11, "minute": 5}
